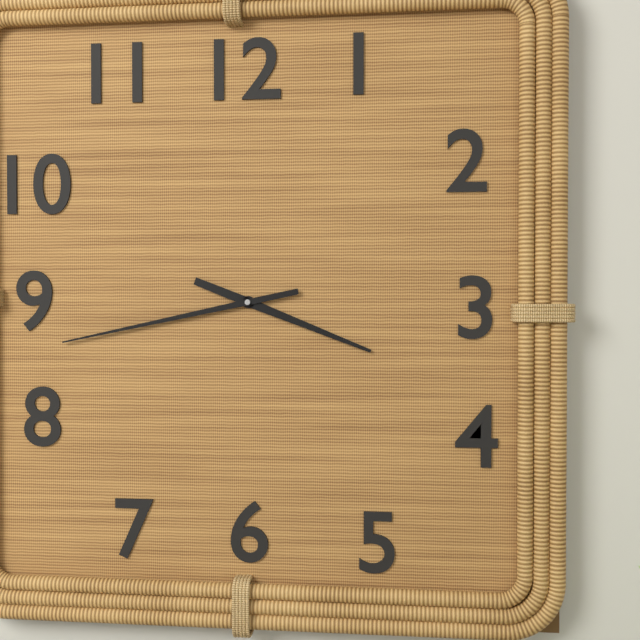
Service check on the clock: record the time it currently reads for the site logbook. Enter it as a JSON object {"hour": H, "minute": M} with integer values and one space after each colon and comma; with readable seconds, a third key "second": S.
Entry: {"hour": 3, "minute": 43}
